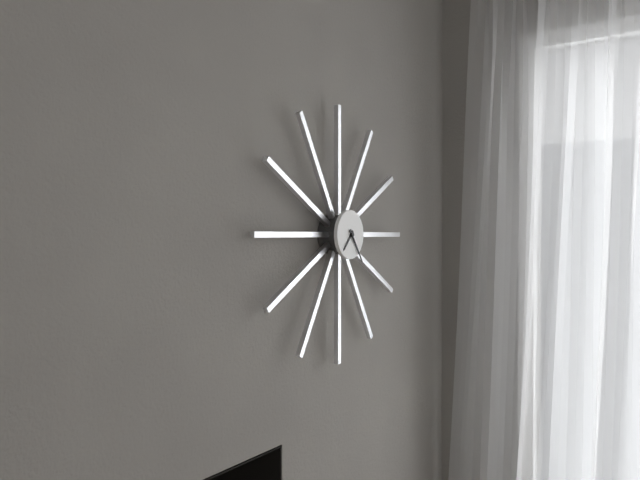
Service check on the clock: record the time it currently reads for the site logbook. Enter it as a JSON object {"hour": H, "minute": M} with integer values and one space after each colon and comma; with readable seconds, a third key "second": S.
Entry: {"hour": 7, "minute": 24}
